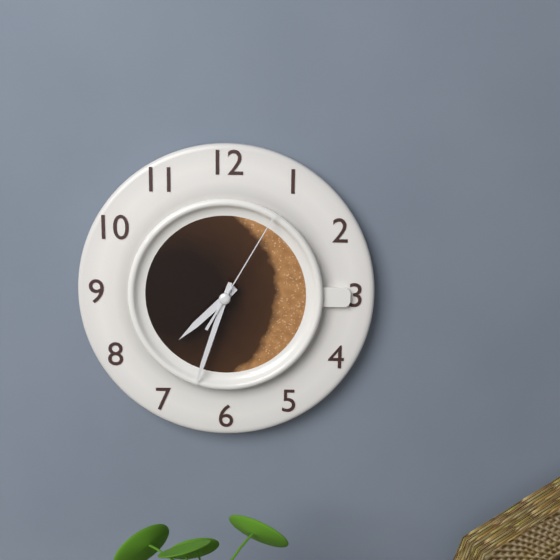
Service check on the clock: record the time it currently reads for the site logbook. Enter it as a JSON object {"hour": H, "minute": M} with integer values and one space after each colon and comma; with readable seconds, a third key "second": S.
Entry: {"hour": 7, "minute": 33, "second": 5}
